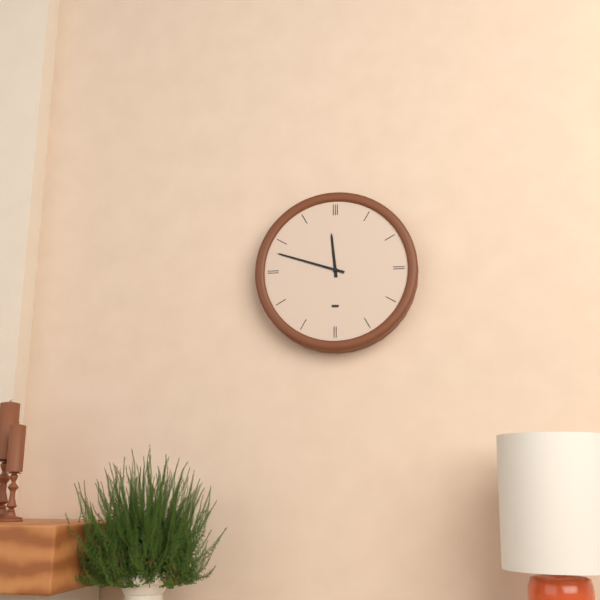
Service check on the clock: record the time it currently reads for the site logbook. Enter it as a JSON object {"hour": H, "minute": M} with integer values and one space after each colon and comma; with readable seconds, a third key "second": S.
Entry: {"hour": 11, "minute": 48}
